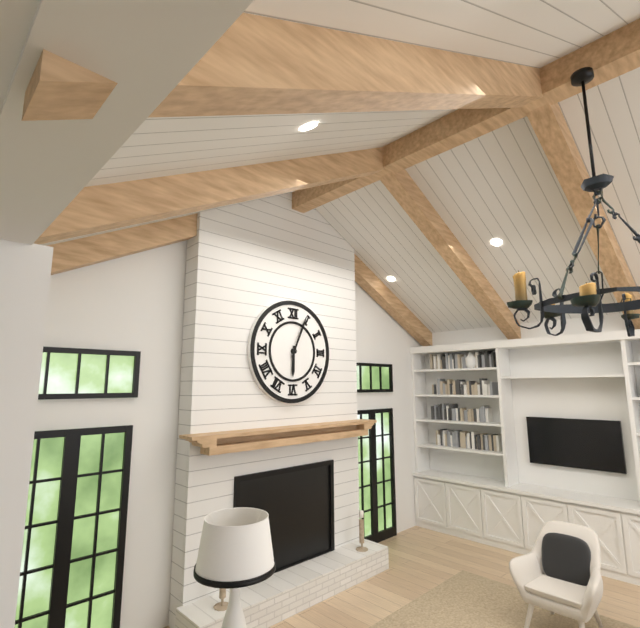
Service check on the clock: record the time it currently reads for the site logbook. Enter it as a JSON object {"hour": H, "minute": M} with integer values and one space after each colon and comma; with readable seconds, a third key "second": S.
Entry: {"hour": 6, "minute": 4}
